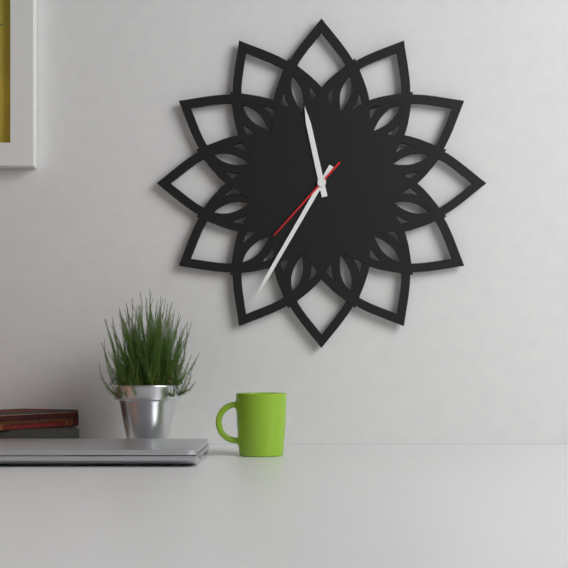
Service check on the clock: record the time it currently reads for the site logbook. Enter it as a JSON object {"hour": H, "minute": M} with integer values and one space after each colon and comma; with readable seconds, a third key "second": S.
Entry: {"hour": 11, "minute": 35, "second": 37}
